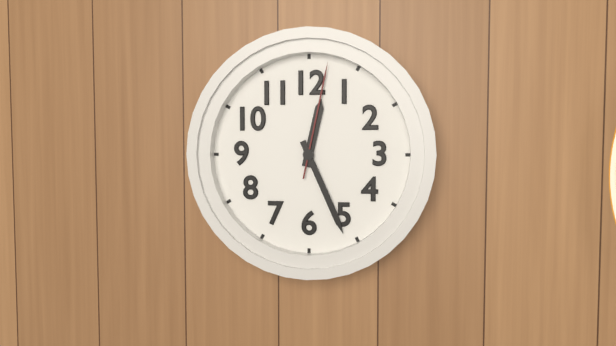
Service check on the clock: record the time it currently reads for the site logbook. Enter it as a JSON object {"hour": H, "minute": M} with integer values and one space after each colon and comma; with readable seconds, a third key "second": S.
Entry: {"hour": 12, "minute": 26, "second": 2}
